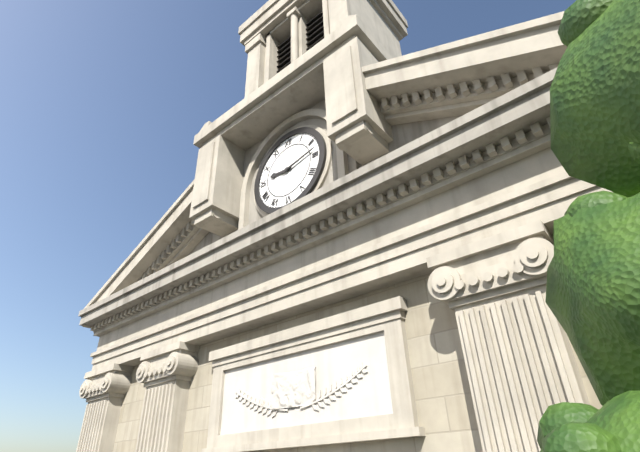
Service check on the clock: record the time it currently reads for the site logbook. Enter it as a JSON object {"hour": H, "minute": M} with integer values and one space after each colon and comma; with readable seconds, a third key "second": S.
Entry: {"hour": 9, "minute": 13}
